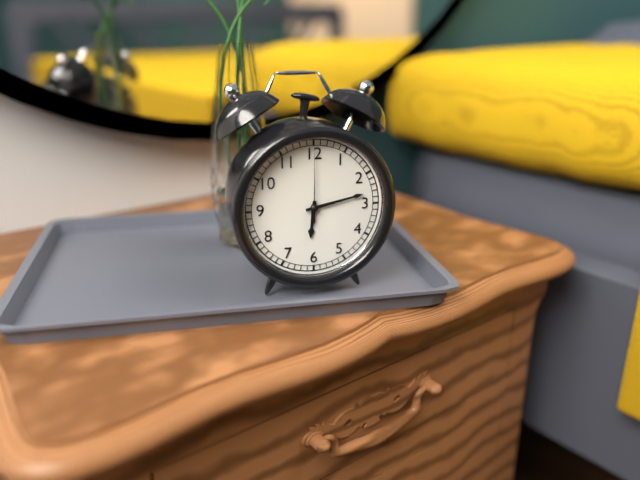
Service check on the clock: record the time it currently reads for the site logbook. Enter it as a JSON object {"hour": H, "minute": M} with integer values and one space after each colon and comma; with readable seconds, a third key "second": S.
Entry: {"hour": 6, "minute": 13, "second": 0}
